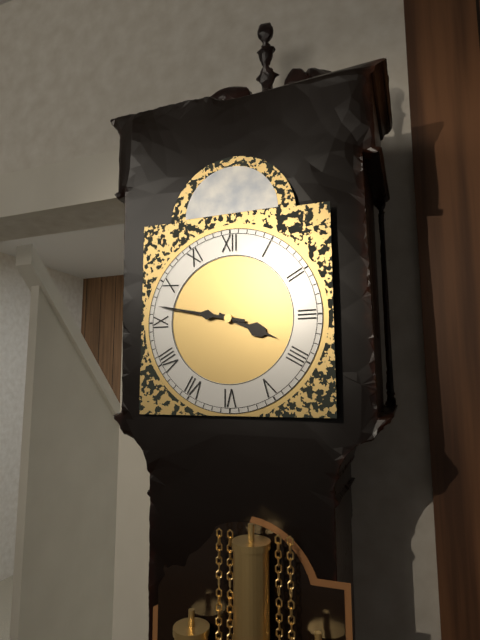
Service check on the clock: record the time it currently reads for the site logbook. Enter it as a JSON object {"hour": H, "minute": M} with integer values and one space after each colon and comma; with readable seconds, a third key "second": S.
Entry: {"hour": 3, "minute": 47}
